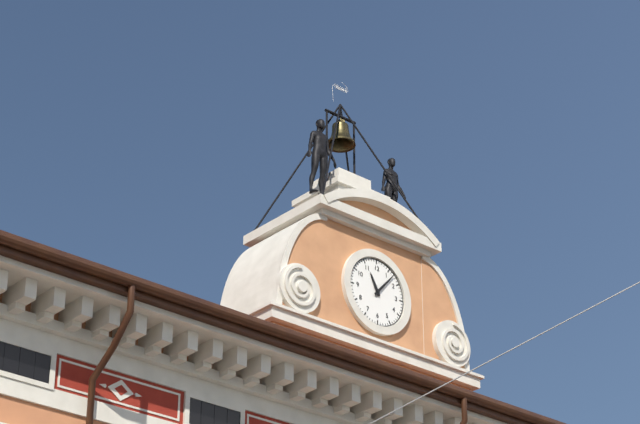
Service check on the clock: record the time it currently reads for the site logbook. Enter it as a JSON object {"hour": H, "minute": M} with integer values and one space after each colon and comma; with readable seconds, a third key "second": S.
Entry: {"hour": 11, "minute": 7}
